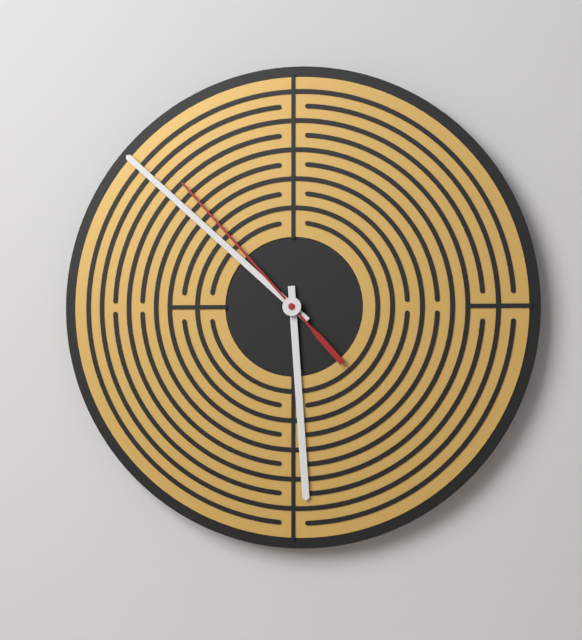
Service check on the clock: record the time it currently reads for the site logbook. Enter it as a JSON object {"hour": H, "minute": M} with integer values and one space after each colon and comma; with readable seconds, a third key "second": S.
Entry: {"hour": 5, "minute": 52, "second": 53}
